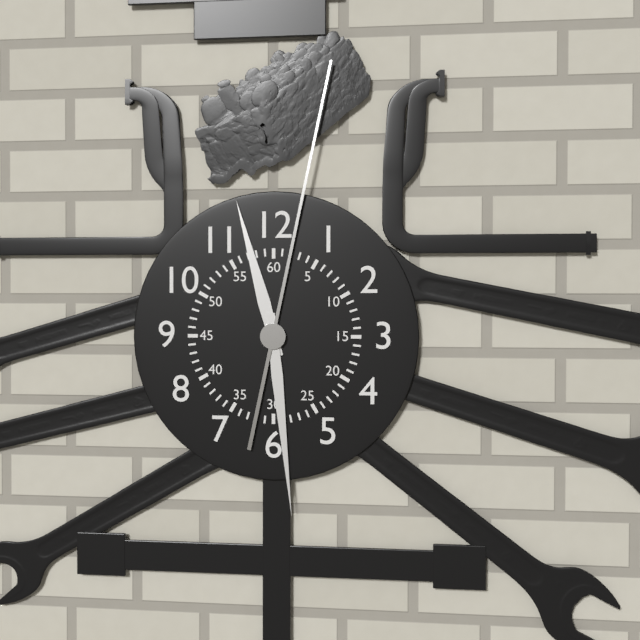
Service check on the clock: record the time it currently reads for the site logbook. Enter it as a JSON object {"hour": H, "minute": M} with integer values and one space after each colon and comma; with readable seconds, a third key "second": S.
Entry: {"hour": 11, "minute": 29, "second": 2}
